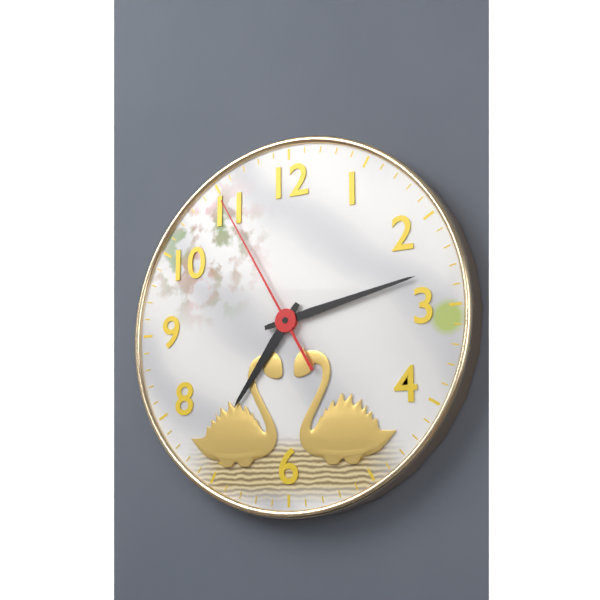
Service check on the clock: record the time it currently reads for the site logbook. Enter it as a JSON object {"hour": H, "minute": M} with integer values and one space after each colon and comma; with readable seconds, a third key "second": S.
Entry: {"hour": 7, "minute": 13, "second": 55}
